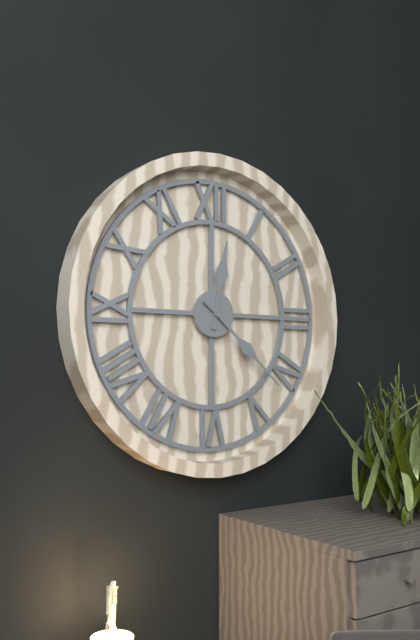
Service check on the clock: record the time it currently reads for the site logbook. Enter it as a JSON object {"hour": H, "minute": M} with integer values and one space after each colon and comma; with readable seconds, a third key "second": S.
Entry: {"hour": 12, "minute": 22}
